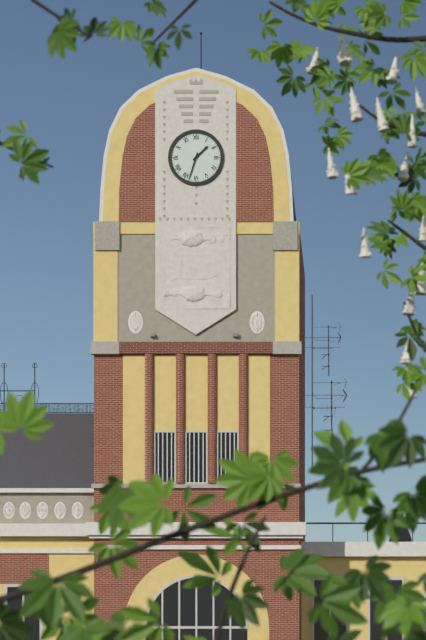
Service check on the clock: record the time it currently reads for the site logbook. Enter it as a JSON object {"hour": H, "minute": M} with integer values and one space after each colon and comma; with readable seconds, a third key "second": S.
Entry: {"hour": 1, "minute": 33}
